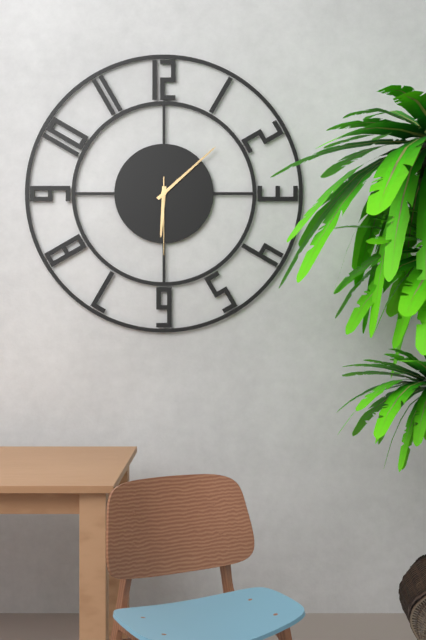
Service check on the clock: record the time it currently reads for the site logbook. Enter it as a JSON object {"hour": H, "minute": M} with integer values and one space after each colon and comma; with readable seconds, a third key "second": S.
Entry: {"hour": 6, "minute": 8, "second": 30}
